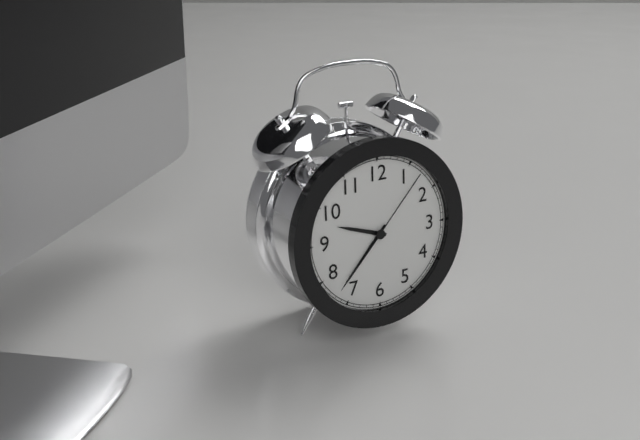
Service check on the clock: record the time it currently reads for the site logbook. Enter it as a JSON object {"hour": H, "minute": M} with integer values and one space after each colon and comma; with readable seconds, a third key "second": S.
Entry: {"hour": 9, "minute": 37, "second": 7}
